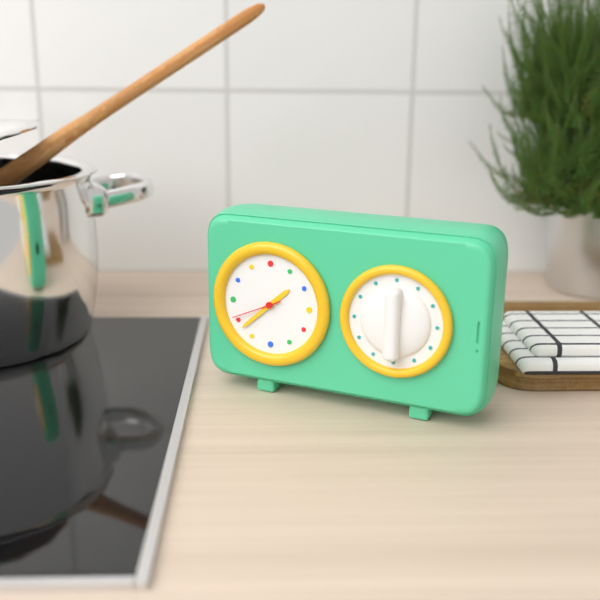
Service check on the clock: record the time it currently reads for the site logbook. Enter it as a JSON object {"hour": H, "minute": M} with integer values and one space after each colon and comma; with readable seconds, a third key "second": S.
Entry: {"hour": 1, "minute": 38, "second": 41}
